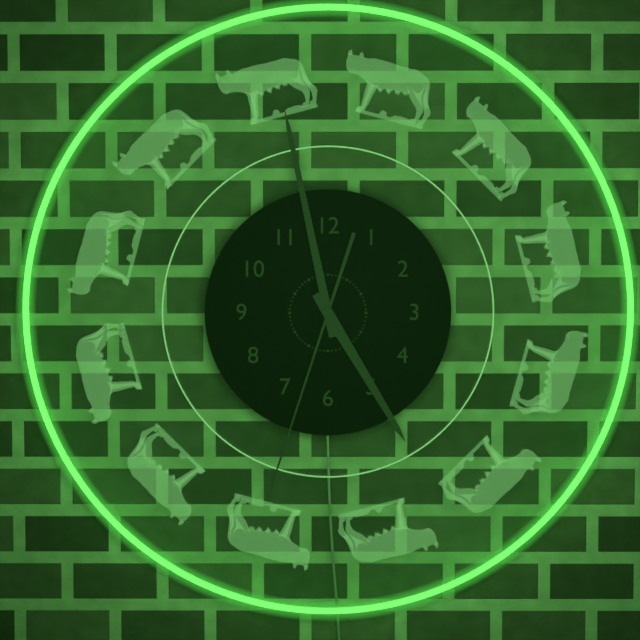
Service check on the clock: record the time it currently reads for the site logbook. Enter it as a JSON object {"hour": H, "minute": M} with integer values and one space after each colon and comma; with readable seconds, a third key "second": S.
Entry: {"hour": 4, "minute": 58, "second": 33}
